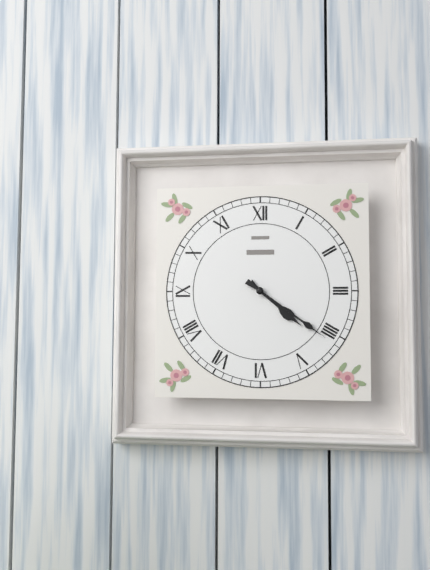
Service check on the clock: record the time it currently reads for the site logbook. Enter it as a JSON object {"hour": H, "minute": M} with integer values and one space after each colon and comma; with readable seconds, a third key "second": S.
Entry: {"hour": 4, "minute": 21}
